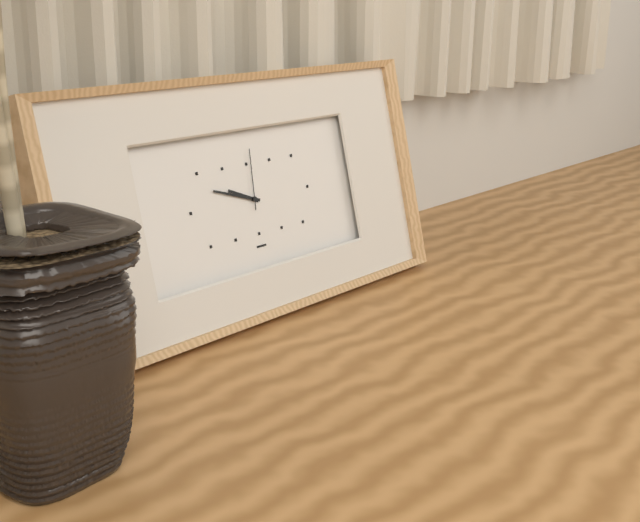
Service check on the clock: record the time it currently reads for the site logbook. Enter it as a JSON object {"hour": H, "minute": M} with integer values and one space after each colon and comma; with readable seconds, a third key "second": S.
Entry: {"hour": 9, "minute": 48, "second": 1}
